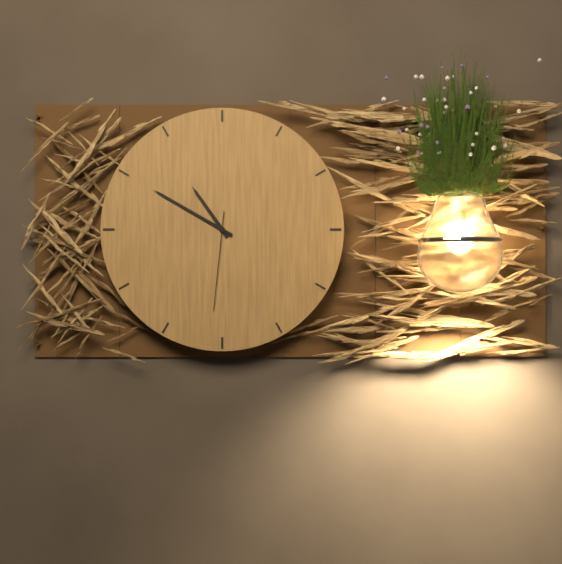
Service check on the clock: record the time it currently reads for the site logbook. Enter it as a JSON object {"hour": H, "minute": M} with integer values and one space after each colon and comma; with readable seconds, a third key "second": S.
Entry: {"hour": 10, "minute": 50, "second": 31}
